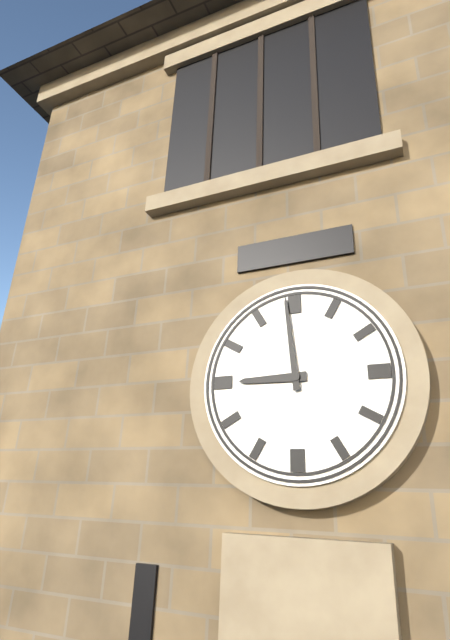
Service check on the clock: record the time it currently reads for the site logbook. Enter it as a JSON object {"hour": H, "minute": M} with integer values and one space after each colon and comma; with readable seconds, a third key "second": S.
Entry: {"hour": 8, "minute": 59}
